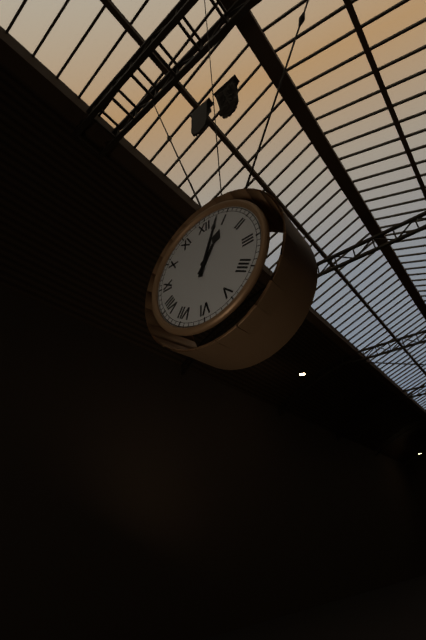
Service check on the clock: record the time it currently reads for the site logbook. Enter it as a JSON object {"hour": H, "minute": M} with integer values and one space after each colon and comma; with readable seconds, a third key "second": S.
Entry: {"hour": 1, "minute": 3}
